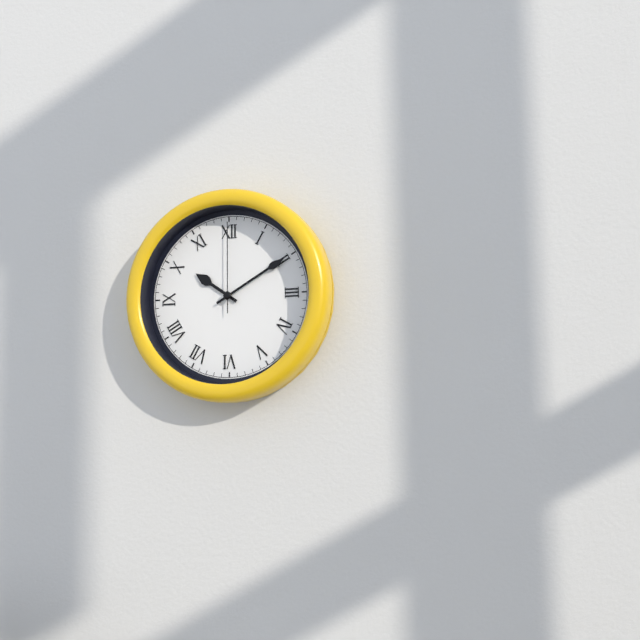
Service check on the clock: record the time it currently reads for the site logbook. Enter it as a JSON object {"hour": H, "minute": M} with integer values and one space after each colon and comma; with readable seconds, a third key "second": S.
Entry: {"hour": 10, "minute": 10, "second": 0}
